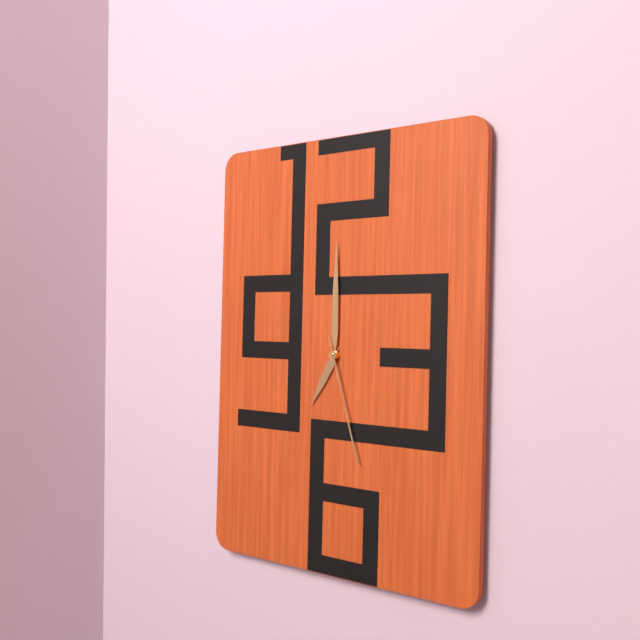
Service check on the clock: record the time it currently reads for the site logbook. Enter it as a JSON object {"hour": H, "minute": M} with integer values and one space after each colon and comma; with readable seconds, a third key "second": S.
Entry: {"hour": 7, "minute": 0, "second": 27}
